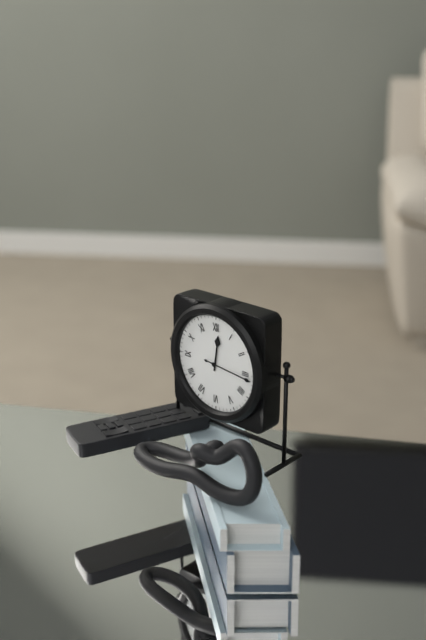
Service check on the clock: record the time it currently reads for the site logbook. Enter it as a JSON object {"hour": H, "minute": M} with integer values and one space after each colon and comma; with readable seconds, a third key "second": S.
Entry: {"hour": 12, "minute": 16}
